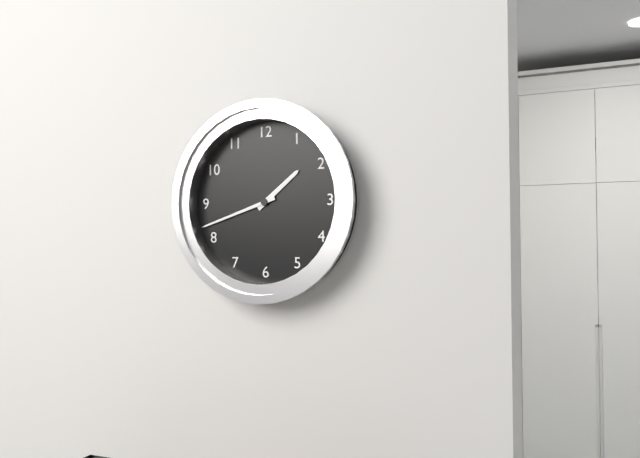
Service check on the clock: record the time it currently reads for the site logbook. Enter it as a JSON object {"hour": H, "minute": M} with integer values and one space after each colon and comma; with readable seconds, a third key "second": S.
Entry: {"hour": 1, "minute": 42}
